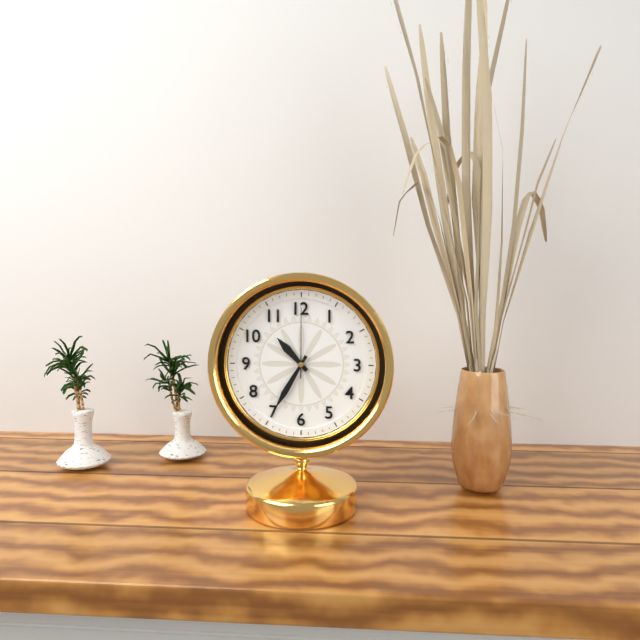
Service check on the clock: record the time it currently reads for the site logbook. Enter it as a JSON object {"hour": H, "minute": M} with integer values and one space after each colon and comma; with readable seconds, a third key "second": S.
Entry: {"hour": 10, "minute": 35, "second": 0}
